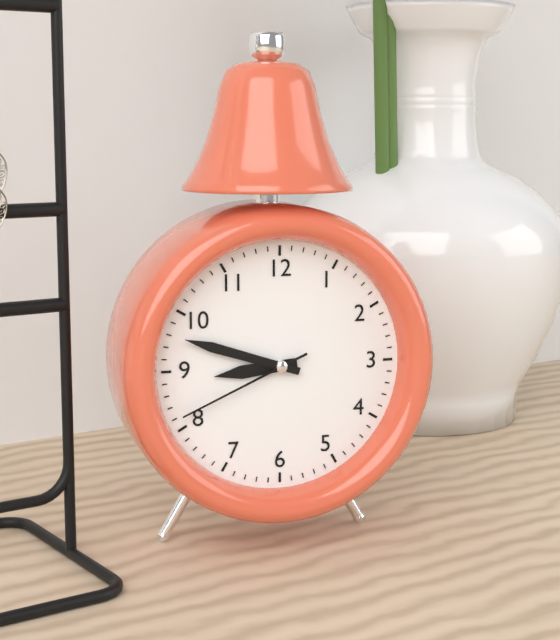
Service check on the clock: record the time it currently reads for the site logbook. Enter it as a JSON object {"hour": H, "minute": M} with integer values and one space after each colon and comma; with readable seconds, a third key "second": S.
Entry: {"hour": 8, "minute": 48, "second": 41}
